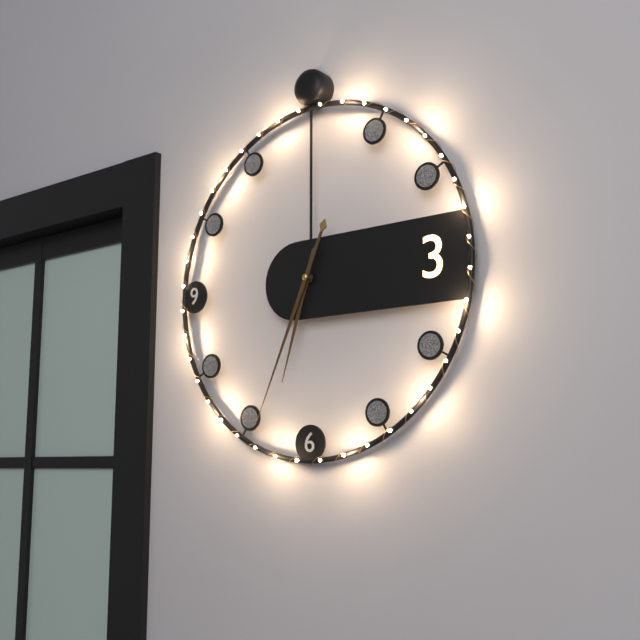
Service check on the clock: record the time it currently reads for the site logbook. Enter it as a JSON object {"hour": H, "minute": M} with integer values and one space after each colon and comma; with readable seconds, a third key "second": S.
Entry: {"hour": 6, "minute": 34}
